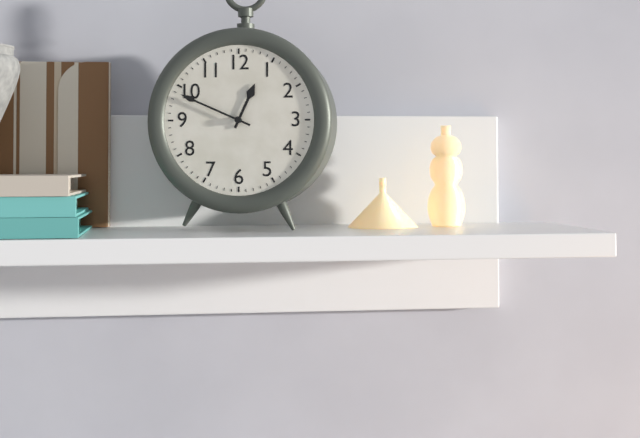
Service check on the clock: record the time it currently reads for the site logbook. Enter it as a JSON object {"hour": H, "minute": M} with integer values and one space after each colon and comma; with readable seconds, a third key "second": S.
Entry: {"hour": 12, "minute": 49}
